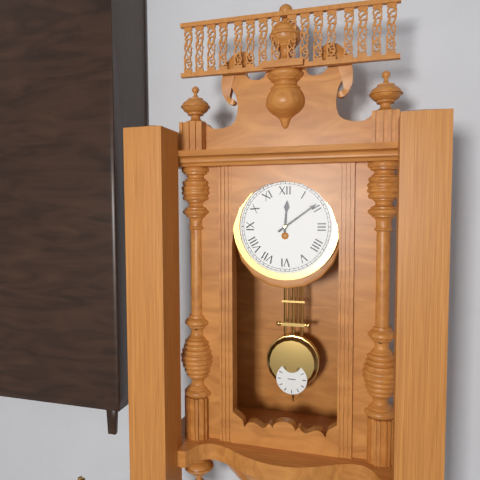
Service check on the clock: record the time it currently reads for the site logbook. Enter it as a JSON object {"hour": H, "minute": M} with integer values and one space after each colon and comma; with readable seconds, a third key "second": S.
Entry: {"hour": 12, "minute": 9}
